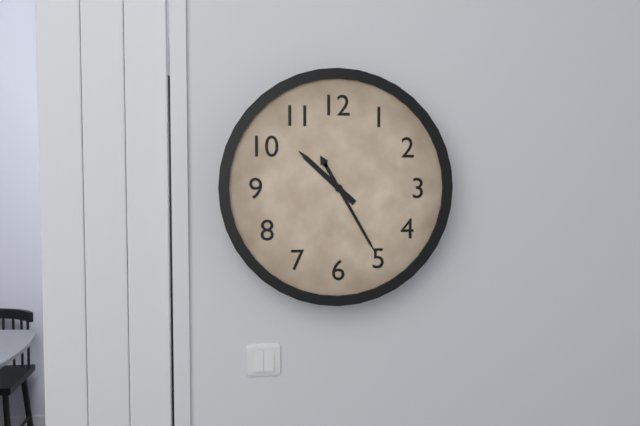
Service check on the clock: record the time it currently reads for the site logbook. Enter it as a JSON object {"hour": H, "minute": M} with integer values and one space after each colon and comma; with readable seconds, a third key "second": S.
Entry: {"hour": 10, "minute": 25}
